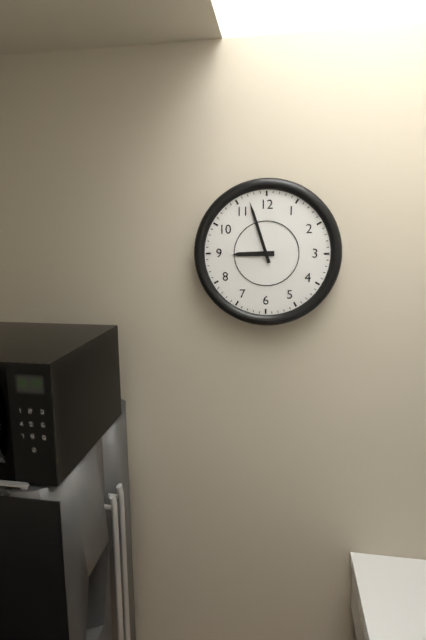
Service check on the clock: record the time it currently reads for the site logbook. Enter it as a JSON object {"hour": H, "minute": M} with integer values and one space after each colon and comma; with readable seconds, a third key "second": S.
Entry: {"hour": 8, "minute": 57}
